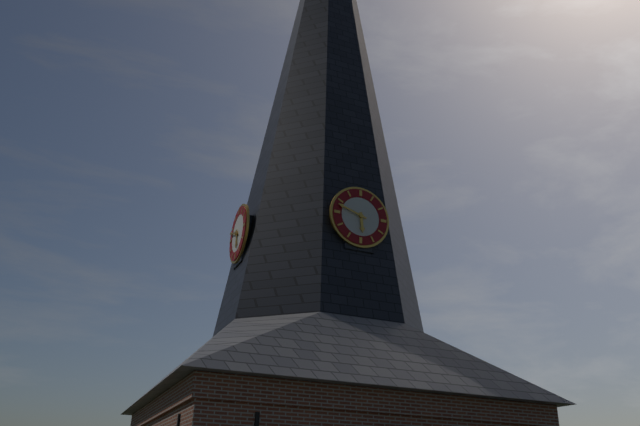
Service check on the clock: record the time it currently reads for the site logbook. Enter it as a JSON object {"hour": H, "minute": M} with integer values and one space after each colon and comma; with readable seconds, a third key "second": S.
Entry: {"hour": 5, "minute": 48}
